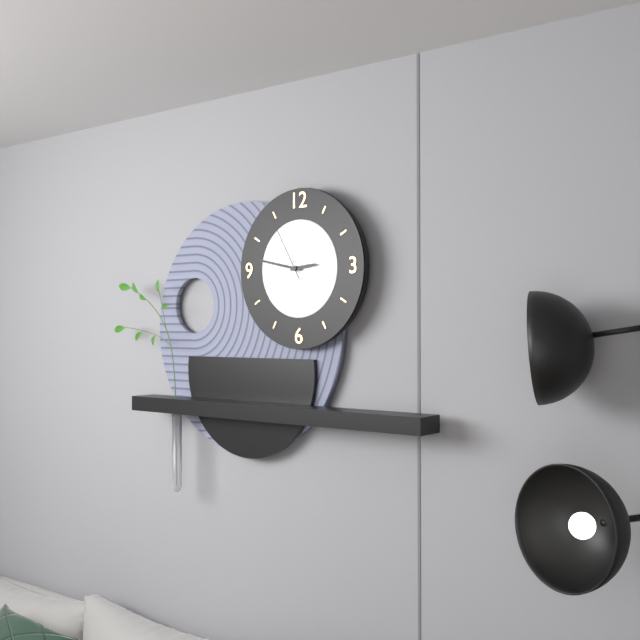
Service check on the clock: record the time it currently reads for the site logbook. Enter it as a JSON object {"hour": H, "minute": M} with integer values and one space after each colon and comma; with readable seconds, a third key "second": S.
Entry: {"hour": 2, "minute": 47, "second": 55}
